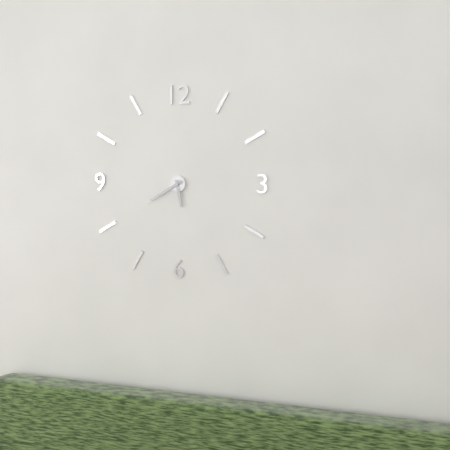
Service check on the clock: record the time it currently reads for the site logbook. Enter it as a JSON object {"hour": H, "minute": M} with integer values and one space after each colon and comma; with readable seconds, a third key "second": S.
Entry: {"hour": 5, "minute": 40}
